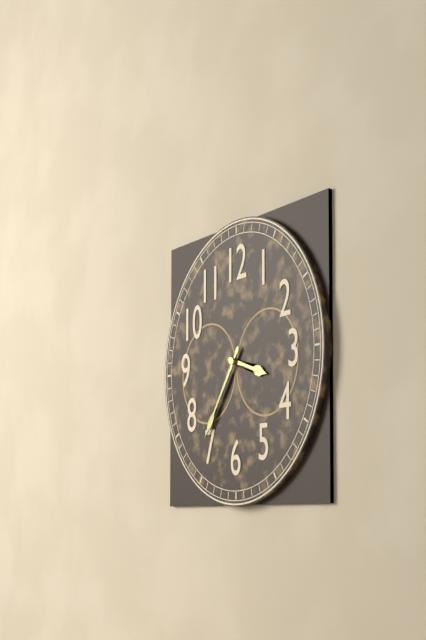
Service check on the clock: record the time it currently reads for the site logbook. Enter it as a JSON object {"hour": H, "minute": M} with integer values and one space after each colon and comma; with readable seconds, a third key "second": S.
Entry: {"hour": 3, "minute": 36}
